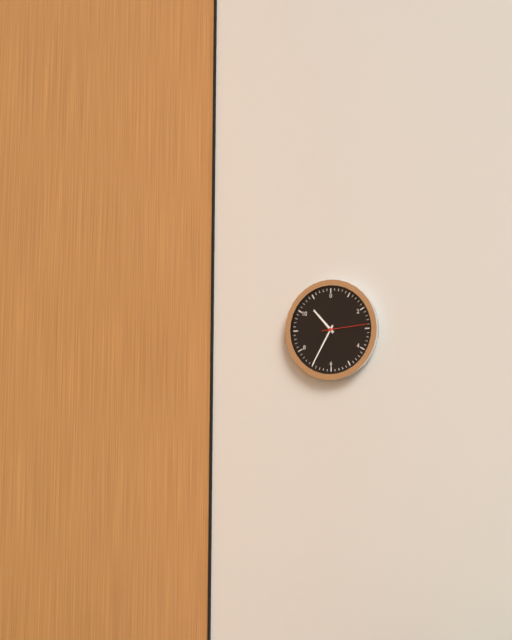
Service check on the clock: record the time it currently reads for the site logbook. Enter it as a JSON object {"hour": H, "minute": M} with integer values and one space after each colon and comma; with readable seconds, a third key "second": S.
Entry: {"hour": 10, "minute": 35}
